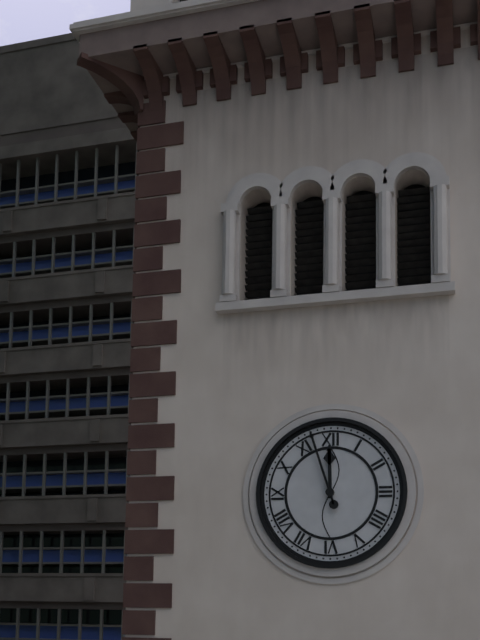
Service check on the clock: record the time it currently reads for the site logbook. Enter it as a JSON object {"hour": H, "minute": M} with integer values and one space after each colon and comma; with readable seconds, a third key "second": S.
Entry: {"hour": 11, "minute": 57}
